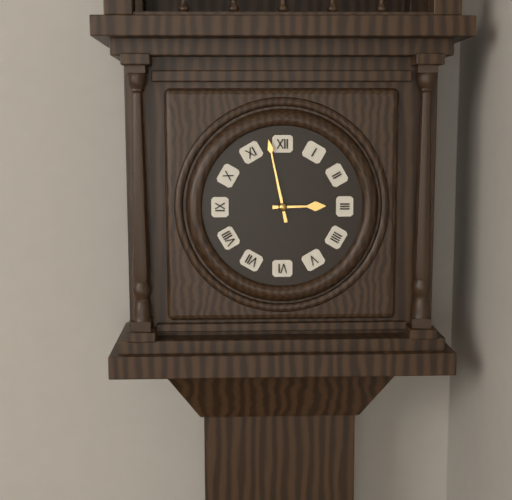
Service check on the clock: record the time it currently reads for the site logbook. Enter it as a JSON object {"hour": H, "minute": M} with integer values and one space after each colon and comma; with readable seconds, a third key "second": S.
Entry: {"hour": 2, "minute": 58}
